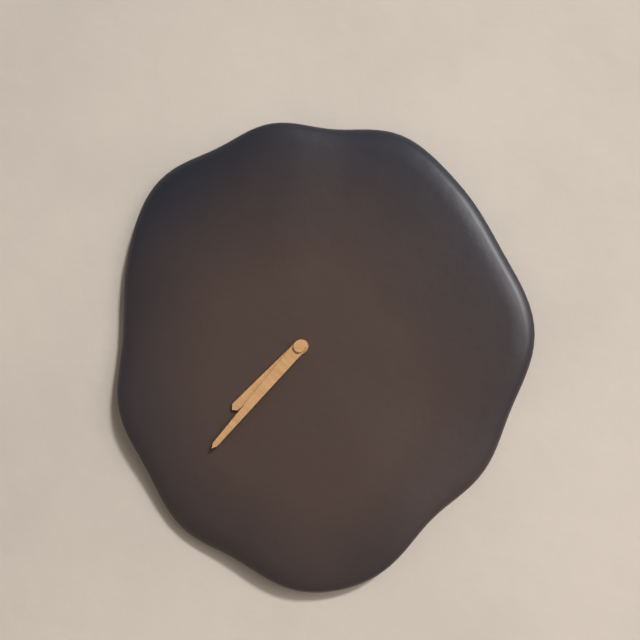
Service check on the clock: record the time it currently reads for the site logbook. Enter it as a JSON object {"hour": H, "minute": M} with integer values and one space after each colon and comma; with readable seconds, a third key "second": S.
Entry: {"hour": 7, "minute": 37}
